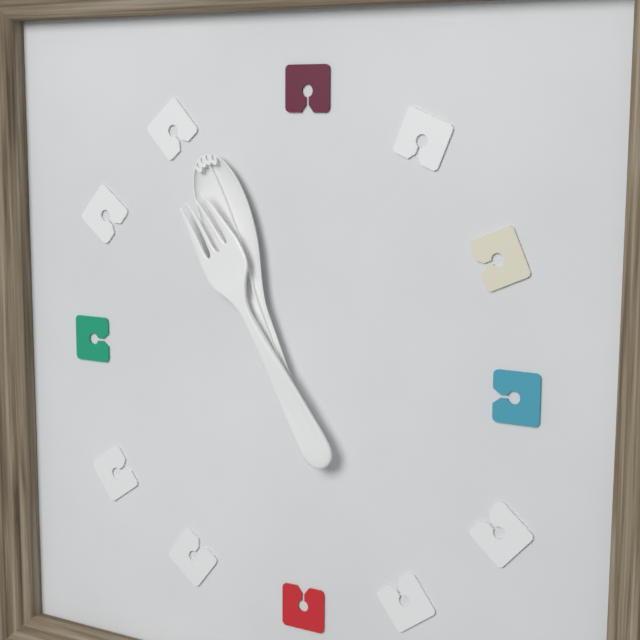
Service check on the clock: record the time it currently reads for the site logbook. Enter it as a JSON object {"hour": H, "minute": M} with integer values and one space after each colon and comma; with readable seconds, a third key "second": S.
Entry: {"hour": 10, "minute": 56}
